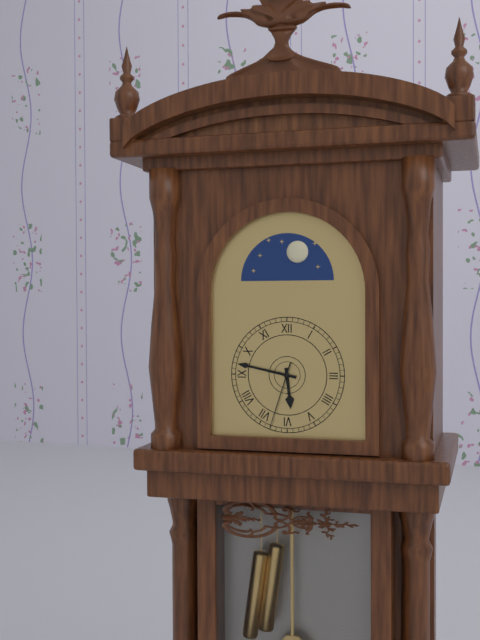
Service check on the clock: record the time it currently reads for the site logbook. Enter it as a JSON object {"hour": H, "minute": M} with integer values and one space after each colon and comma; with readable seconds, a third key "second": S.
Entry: {"hour": 5, "minute": 47, "second": 33}
